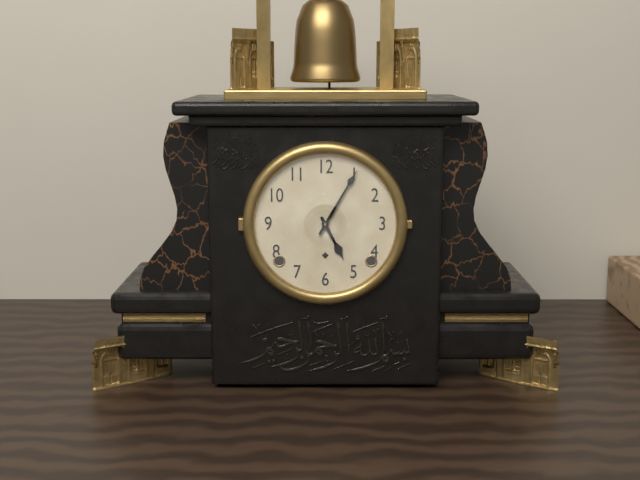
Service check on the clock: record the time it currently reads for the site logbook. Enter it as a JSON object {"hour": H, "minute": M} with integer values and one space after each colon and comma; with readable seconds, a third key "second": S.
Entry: {"hour": 5, "minute": 5}
